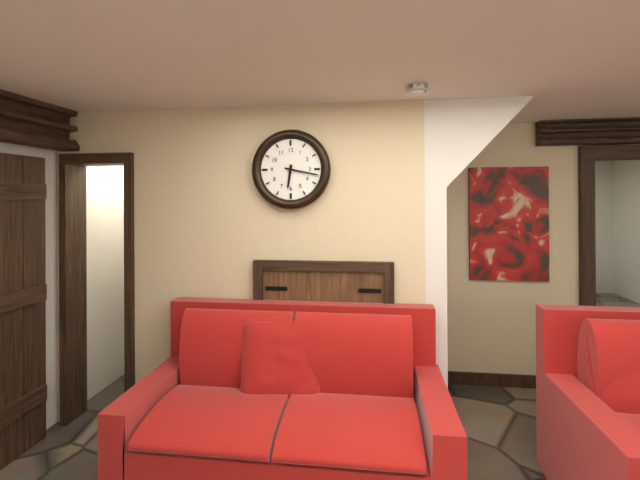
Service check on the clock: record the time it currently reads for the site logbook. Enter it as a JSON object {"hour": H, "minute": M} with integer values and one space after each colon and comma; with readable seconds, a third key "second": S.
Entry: {"hour": 6, "minute": 17}
